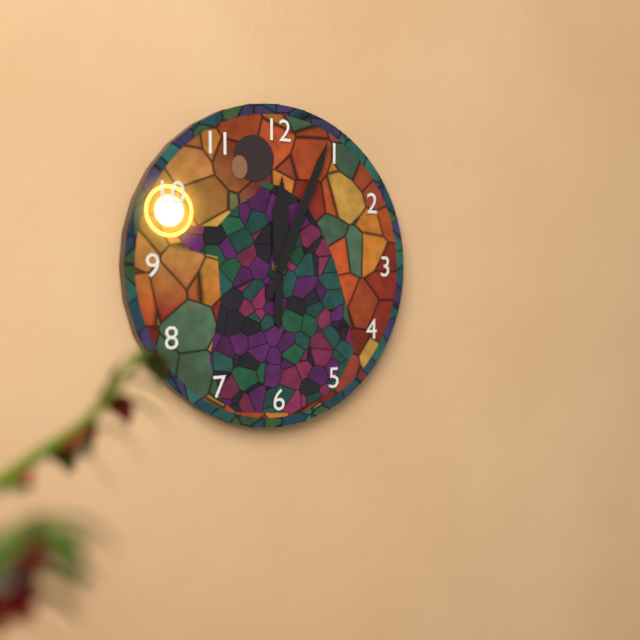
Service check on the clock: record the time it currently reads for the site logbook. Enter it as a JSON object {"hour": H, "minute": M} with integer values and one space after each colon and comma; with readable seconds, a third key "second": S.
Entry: {"hour": 12, "minute": 4}
